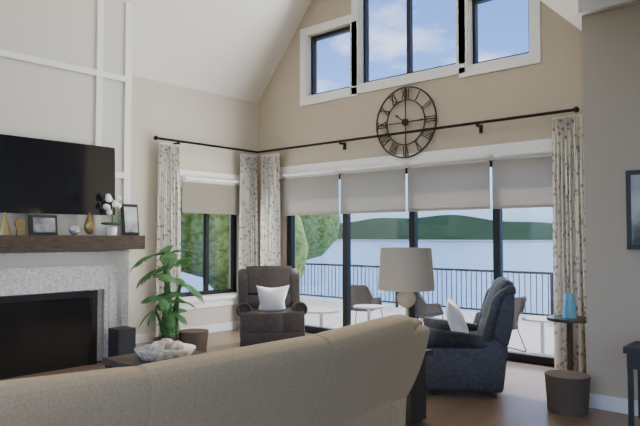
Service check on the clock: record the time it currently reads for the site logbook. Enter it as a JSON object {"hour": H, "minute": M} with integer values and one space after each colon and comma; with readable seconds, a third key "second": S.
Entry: {"hour": 10, "minute": 15}
